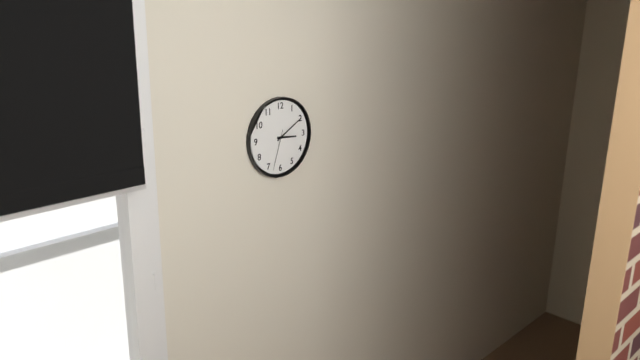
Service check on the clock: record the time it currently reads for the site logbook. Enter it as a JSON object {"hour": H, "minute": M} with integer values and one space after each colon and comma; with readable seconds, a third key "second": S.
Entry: {"hour": 3, "minute": 10}
